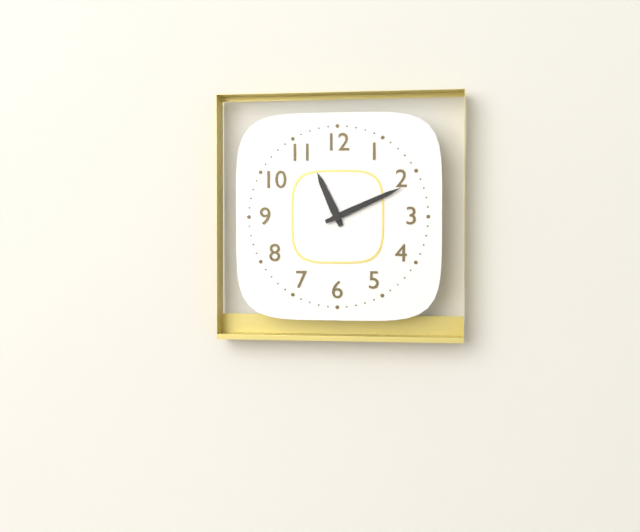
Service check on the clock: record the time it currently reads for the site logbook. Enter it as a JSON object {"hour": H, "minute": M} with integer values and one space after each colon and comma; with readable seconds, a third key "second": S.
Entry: {"hour": 11, "minute": 11}
